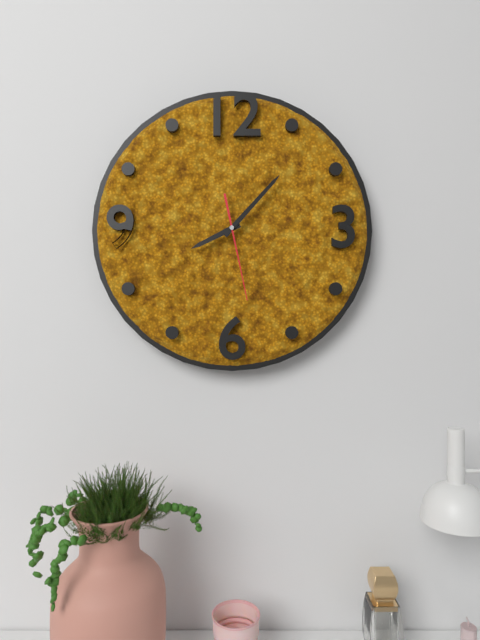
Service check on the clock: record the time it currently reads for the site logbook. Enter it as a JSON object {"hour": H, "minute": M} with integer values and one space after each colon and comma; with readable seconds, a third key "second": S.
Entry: {"hour": 8, "minute": 7, "second": 28}
